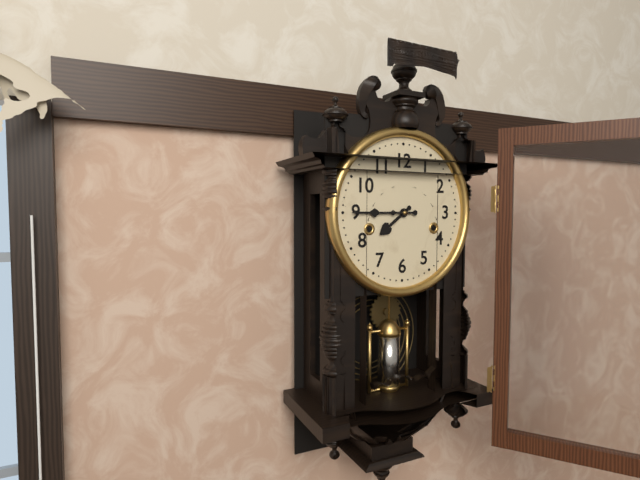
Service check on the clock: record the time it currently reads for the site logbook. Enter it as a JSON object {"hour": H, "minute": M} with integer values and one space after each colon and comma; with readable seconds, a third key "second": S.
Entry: {"hour": 7, "minute": 45}
